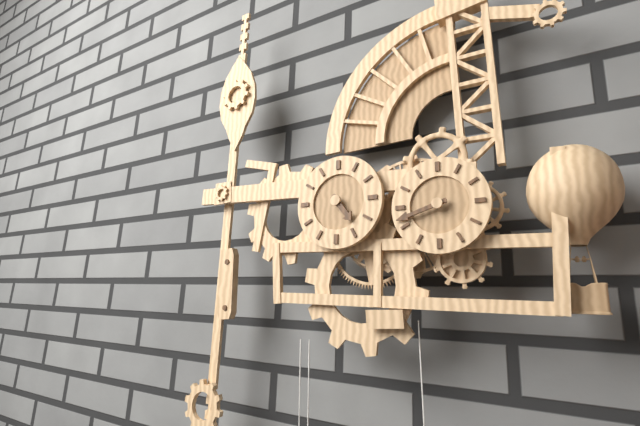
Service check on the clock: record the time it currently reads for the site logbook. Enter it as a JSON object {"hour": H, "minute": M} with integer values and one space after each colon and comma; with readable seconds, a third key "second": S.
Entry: {"hour": 4, "minute": 42}
